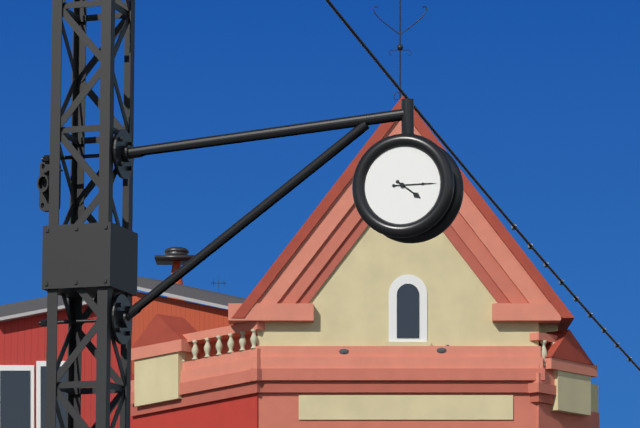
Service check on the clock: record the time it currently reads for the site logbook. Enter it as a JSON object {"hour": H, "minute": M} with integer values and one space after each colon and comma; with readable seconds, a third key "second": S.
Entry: {"hour": 4, "minute": 15}
